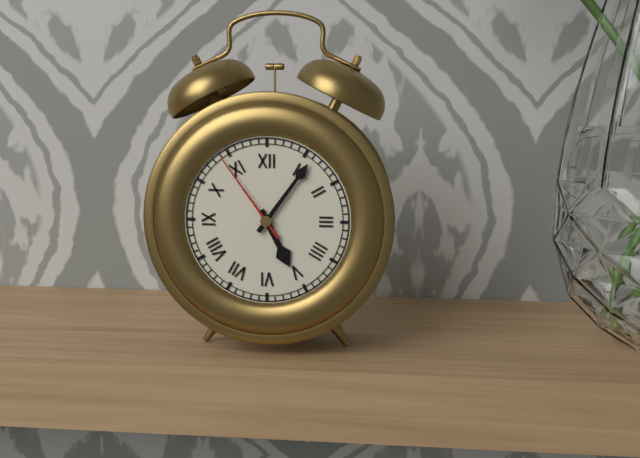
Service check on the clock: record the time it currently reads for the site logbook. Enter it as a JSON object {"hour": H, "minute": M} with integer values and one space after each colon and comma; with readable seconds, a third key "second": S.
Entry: {"hour": 5, "minute": 6, "second": 54}
